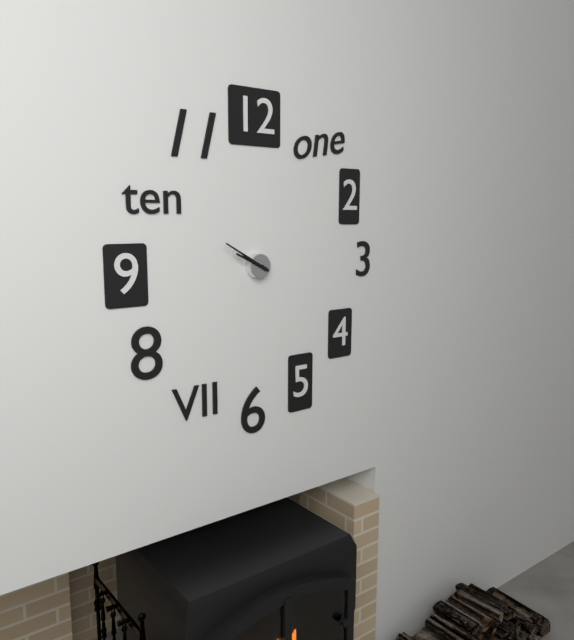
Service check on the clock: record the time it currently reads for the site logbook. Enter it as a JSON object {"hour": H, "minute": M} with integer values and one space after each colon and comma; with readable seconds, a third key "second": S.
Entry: {"hour": 9, "minute": 50}
